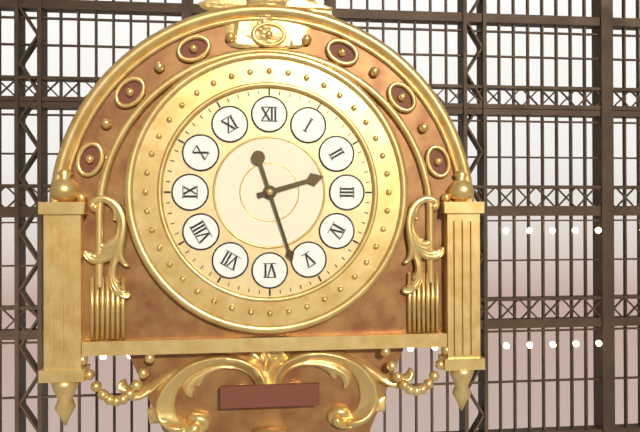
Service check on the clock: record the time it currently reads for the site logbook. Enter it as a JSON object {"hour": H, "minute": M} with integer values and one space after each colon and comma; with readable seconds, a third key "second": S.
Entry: {"hour": 2, "minute": 27}
